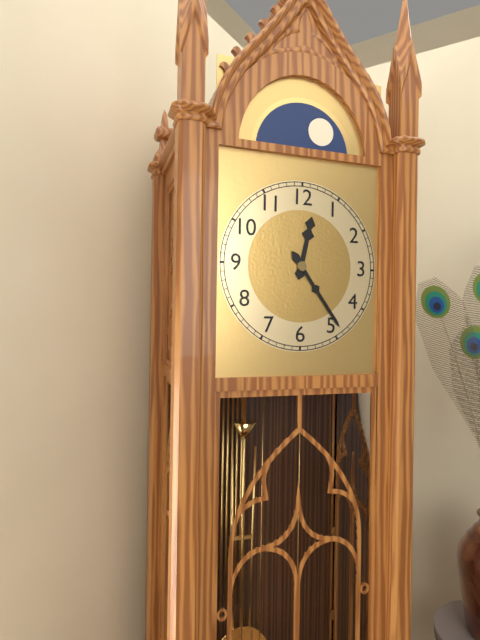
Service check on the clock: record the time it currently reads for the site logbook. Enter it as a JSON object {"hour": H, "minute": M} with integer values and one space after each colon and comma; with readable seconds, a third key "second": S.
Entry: {"hour": 12, "minute": 24}
